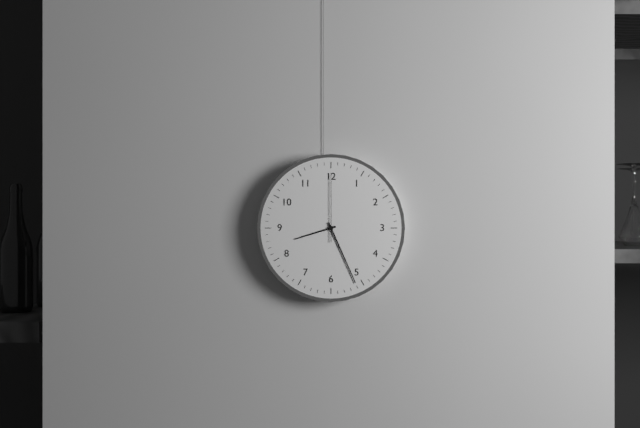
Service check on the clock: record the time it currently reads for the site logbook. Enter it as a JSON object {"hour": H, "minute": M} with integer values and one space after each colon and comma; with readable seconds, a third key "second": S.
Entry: {"hour": 8, "minute": 26, "second": 0}
